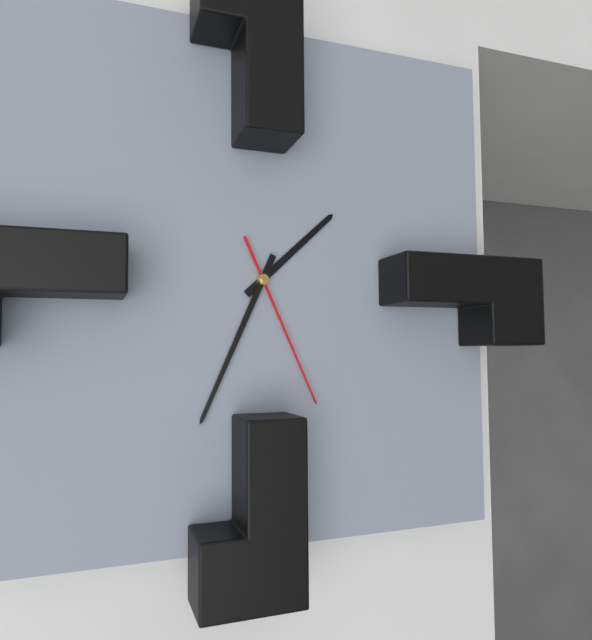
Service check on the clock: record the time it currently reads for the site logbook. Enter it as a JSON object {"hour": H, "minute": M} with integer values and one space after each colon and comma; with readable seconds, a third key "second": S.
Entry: {"hour": 1, "minute": 34, "second": 26}
